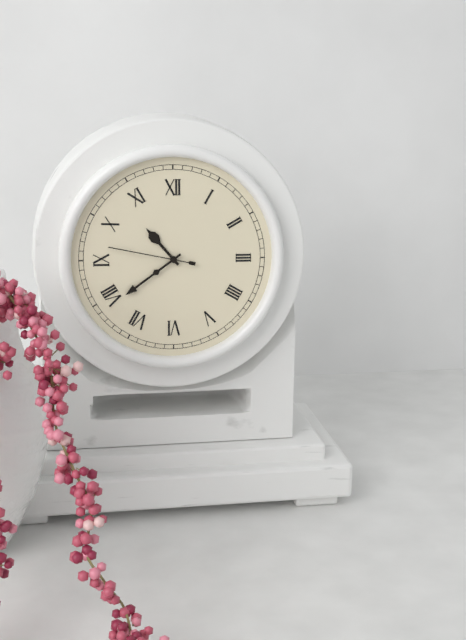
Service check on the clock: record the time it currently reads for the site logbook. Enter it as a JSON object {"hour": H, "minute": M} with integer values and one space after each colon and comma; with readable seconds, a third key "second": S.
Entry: {"hour": 10, "minute": 39, "second": 47}
